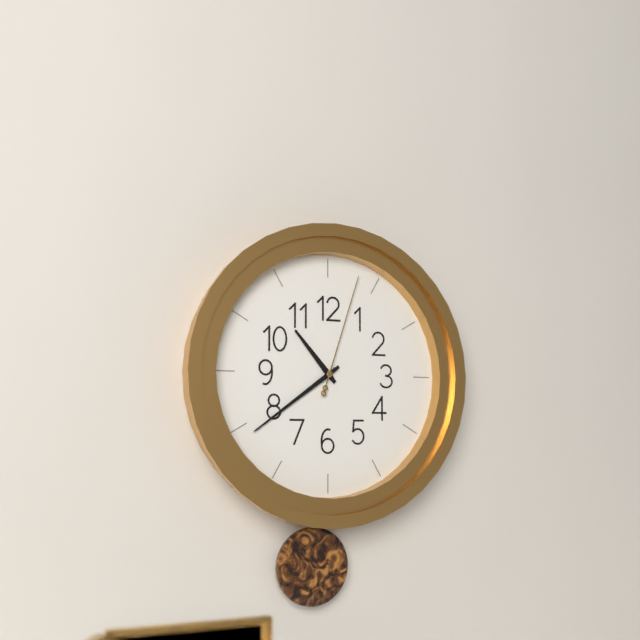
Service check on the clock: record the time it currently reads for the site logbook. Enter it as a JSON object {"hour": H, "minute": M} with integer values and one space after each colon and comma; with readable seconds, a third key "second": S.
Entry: {"hour": 10, "minute": 39, "second": 3}
